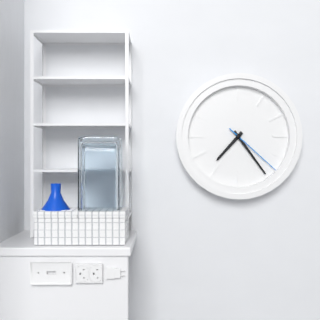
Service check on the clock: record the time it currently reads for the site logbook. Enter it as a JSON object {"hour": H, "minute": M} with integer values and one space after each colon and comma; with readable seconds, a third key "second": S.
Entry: {"hour": 7, "minute": 24, "second": 22}
